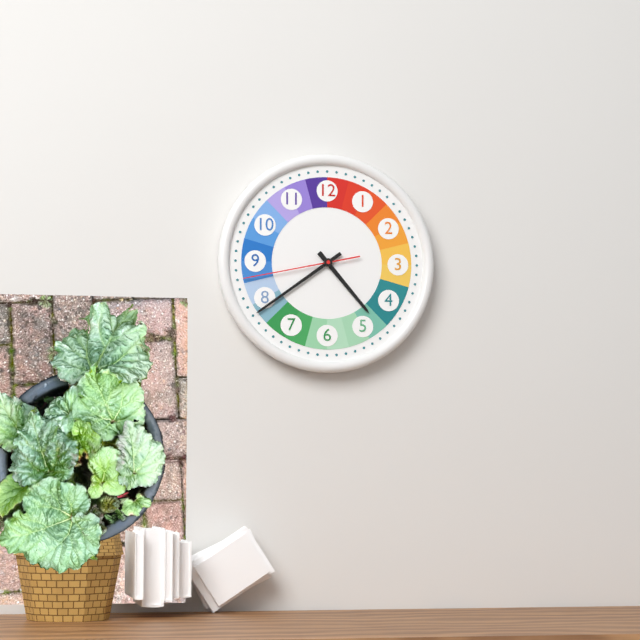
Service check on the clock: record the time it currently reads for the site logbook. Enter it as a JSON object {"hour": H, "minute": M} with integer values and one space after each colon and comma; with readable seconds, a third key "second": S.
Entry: {"hour": 4, "minute": 39, "second": 43}
